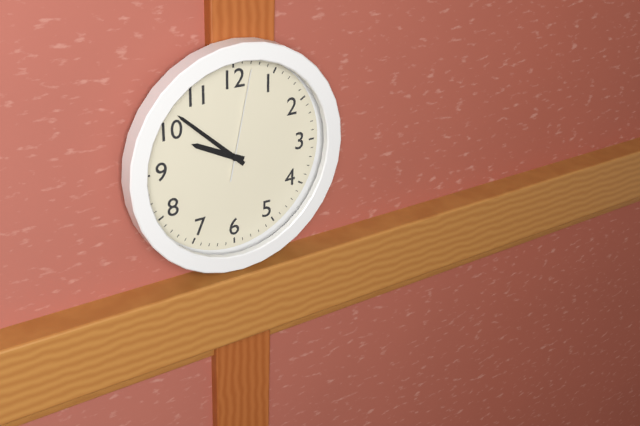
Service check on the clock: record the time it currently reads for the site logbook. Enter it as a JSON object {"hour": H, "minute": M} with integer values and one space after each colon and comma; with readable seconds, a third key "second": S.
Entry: {"hour": 9, "minute": 52, "second": 2}
